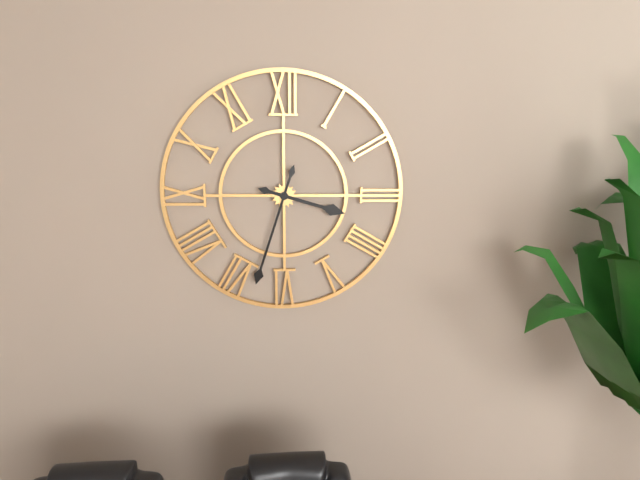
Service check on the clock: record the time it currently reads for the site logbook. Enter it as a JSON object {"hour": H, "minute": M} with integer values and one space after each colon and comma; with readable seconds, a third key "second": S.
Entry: {"hour": 3, "minute": 33}
